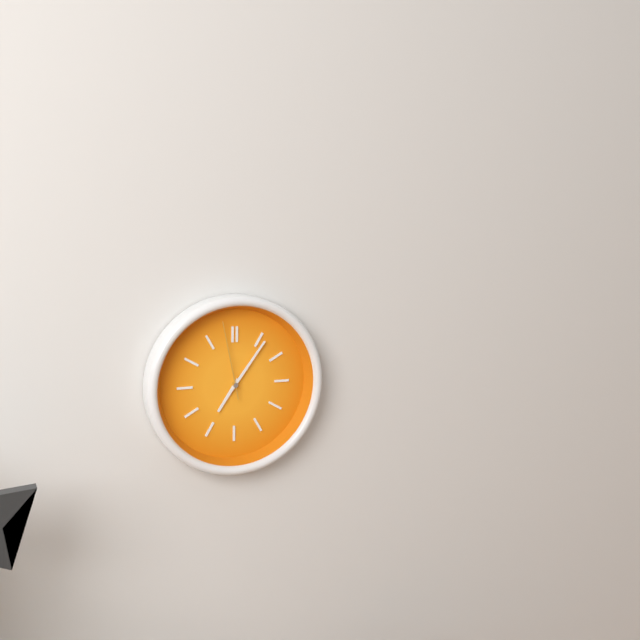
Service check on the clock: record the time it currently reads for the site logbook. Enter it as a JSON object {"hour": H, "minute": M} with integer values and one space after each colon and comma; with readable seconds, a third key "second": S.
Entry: {"hour": 7, "minute": 6, "second": 58}
